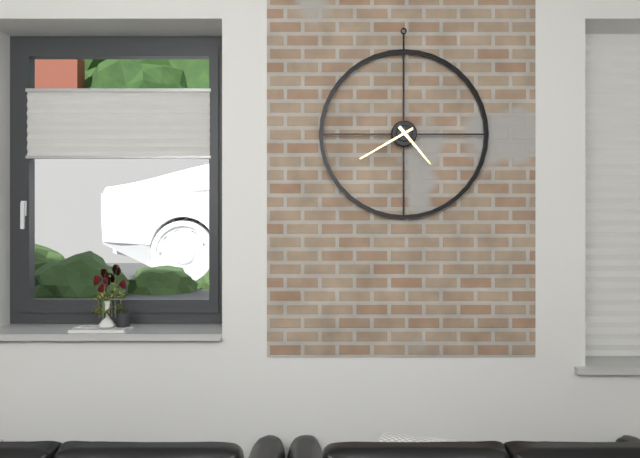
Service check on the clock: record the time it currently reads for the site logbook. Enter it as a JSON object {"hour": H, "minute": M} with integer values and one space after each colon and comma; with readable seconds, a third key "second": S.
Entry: {"hour": 4, "minute": 40}
